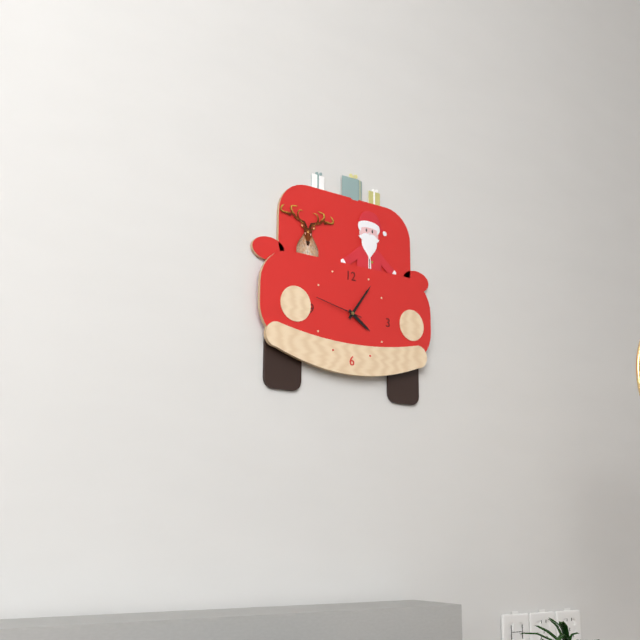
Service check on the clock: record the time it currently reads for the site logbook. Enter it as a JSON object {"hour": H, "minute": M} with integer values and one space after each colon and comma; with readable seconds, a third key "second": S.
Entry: {"hour": 4, "minute": 6}
